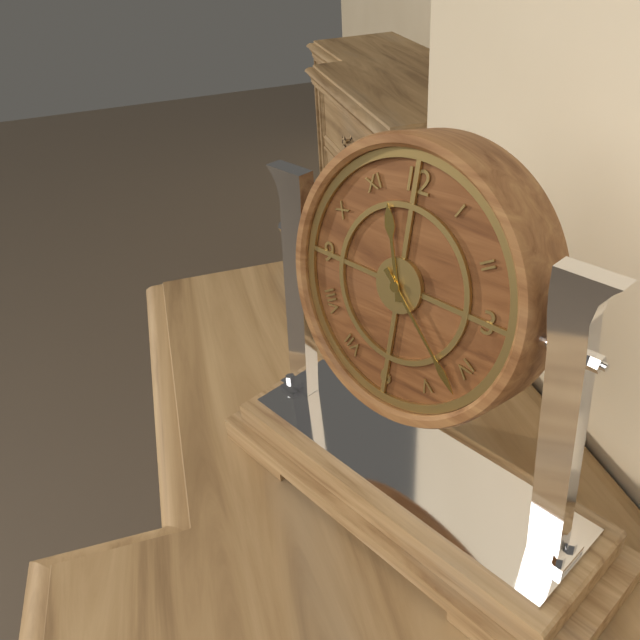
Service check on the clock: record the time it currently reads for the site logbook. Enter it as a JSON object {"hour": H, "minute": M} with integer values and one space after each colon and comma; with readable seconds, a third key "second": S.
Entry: {"hour": 11, "minute": 22}
